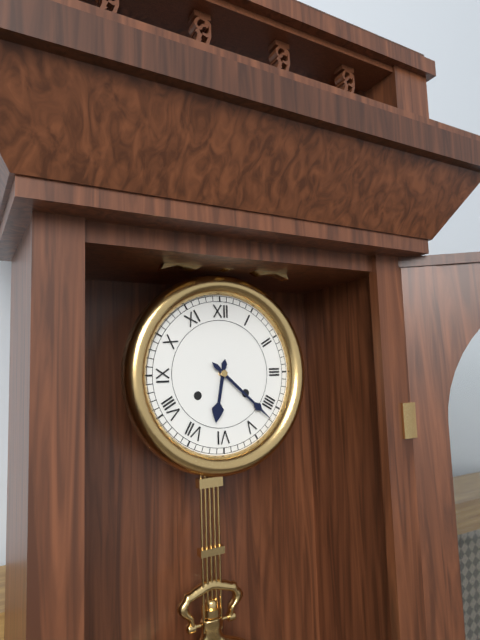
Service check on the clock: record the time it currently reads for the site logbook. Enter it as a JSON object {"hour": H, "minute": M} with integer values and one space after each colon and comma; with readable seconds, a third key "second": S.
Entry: {"hour": 6, "minute": 22}
